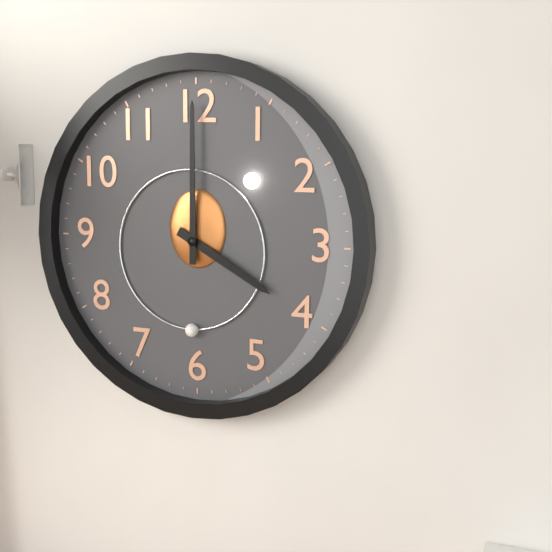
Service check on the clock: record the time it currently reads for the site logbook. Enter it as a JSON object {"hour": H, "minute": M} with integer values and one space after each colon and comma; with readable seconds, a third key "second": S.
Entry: {"hour": 4, "minute": 0}
